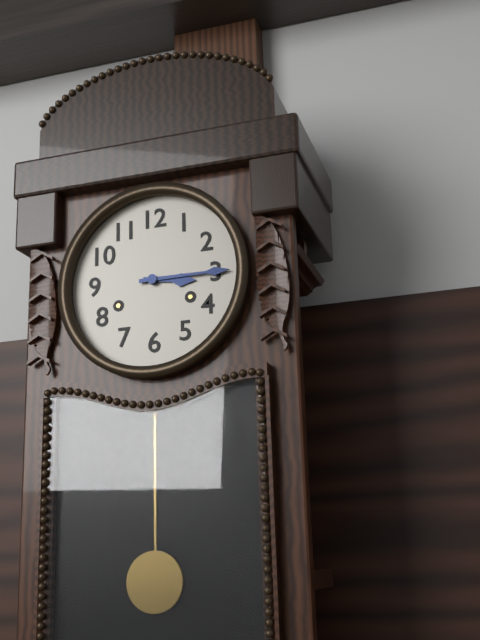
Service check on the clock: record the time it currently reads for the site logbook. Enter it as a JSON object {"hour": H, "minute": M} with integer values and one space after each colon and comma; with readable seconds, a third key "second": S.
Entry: {"hour": 3, "minute": 15}
